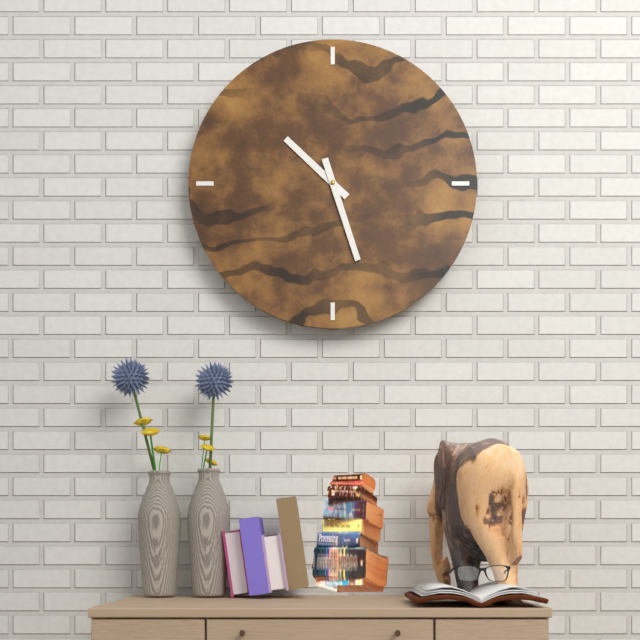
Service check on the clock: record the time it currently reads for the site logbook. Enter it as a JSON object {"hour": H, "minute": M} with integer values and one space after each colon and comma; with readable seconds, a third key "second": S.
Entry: {"hour": 10, "minute": 27}
